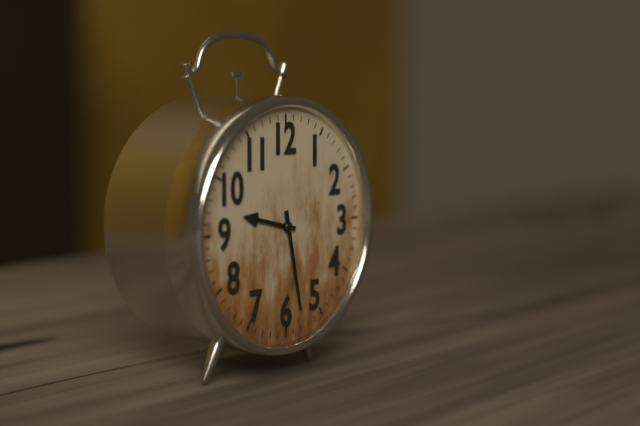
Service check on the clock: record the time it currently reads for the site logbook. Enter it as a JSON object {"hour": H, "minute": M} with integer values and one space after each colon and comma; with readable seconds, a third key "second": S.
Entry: {"hour": 9, "minute": 28}
